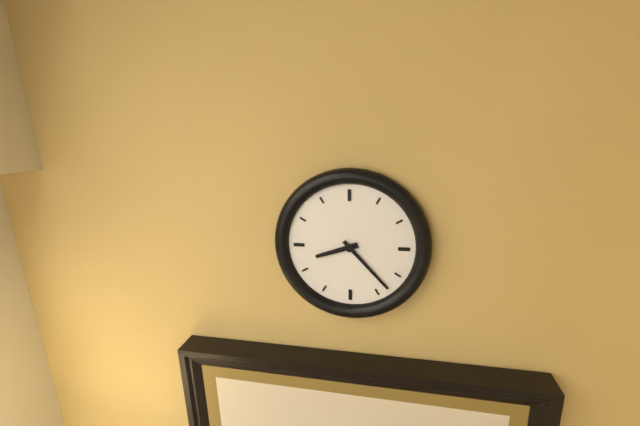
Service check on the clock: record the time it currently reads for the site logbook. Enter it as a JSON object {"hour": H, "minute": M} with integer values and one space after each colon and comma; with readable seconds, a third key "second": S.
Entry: {"hour": 8, "minute": 23}
